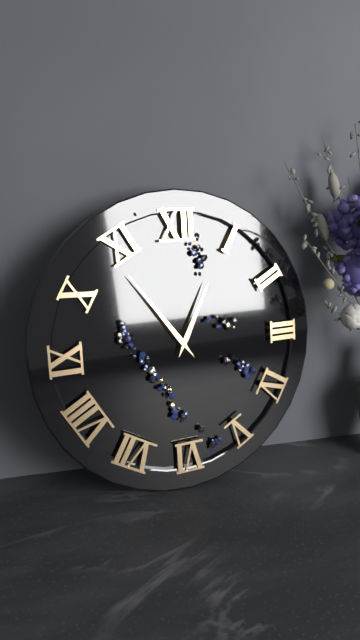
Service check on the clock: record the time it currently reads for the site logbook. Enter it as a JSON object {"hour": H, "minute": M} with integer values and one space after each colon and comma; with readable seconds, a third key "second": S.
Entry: {"hour": 12, "minute": 54}
